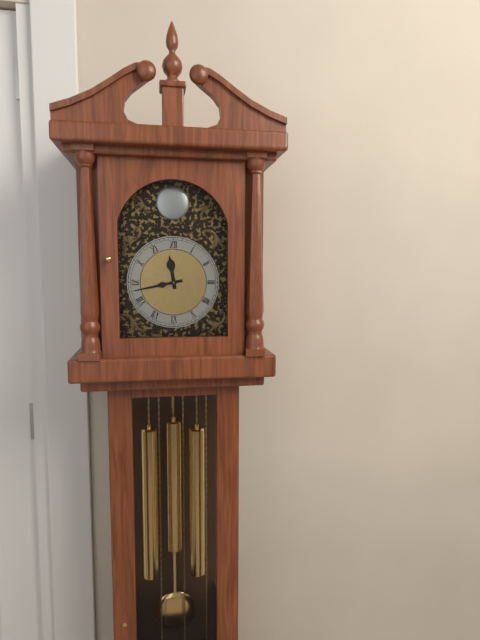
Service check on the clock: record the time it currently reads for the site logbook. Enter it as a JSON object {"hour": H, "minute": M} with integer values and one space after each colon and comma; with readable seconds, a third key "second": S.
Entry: {"hour": 11, "minute": 43}
